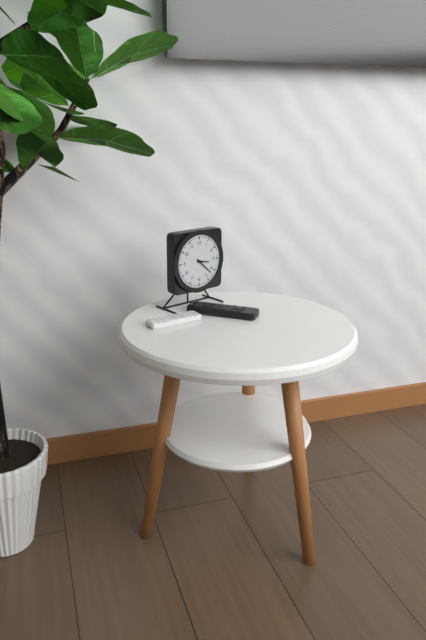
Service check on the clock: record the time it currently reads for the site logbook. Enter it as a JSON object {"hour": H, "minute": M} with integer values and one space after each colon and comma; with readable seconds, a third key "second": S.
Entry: {"hour": 3, "minute": 22}
